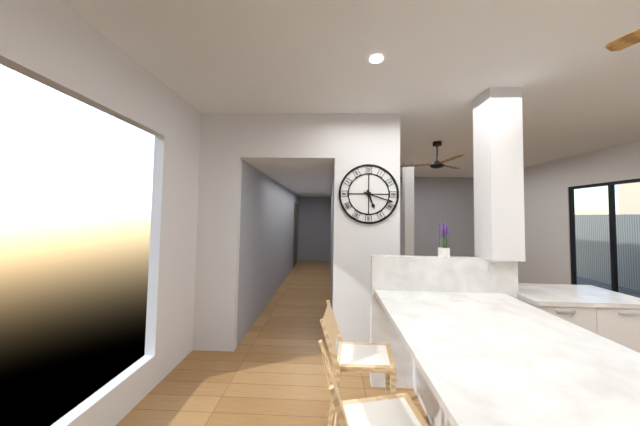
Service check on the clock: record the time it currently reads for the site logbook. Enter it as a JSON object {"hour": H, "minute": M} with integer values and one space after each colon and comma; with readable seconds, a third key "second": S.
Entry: {"hour": 5, "minute": 18}
